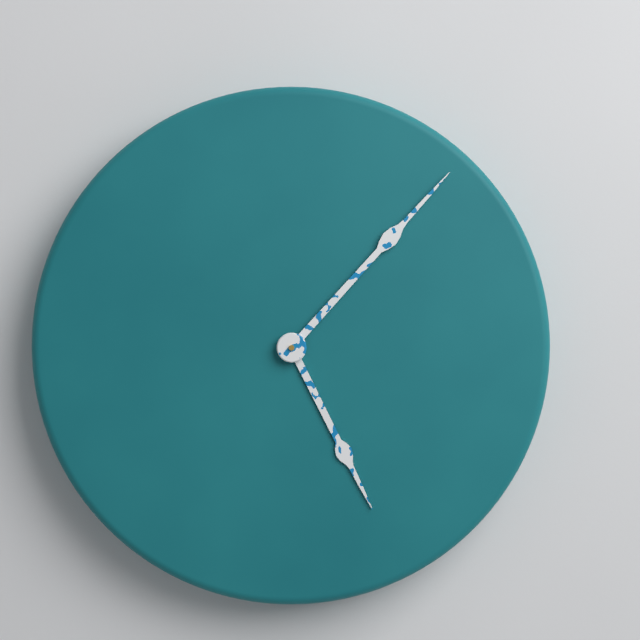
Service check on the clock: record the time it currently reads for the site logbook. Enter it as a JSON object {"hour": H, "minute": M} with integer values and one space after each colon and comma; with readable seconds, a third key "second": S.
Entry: {"hour": 5, "minute": 7}
